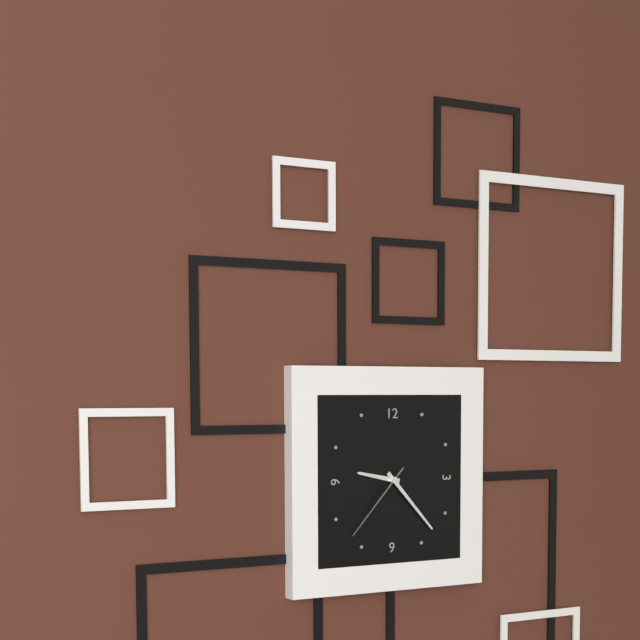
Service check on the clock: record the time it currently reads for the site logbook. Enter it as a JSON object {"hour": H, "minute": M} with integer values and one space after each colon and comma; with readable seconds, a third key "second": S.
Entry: {"hour": 9, "minute": 23, "second": 37}
